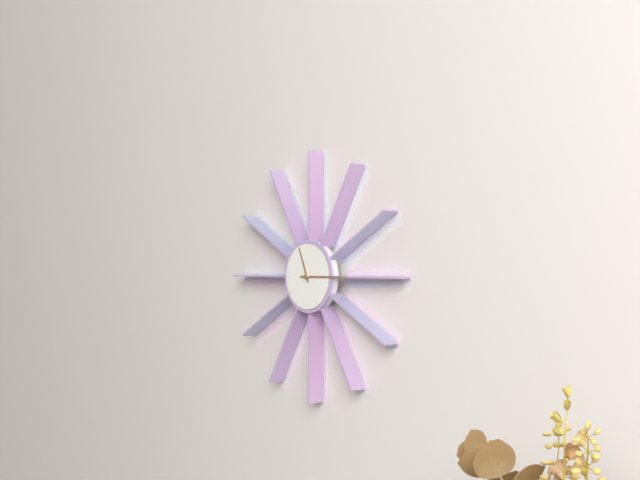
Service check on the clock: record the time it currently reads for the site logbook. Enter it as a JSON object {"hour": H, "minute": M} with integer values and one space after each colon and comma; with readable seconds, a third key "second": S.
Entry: {"hour": 11, "minute": 15}
